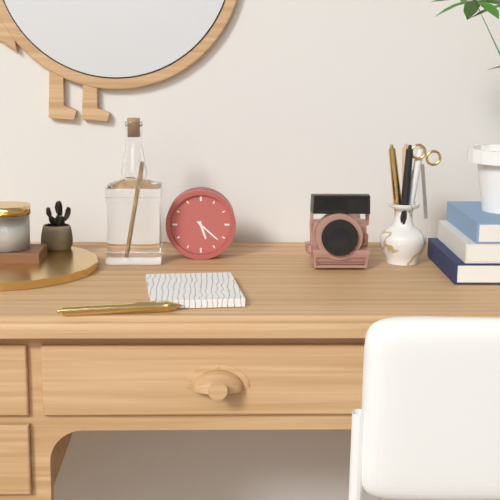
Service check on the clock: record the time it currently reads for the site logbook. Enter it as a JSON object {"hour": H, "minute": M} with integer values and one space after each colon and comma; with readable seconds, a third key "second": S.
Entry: {"hour": 5, "minute": 22}
